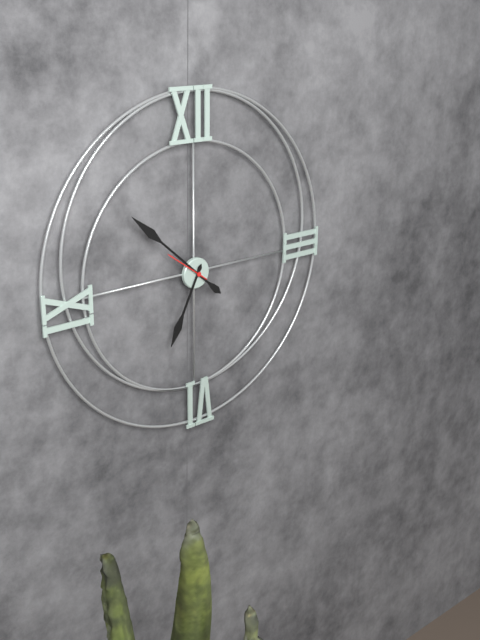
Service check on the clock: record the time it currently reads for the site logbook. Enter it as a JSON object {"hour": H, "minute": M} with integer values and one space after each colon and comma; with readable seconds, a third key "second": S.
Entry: {"hour": 6, "minute": 52}
